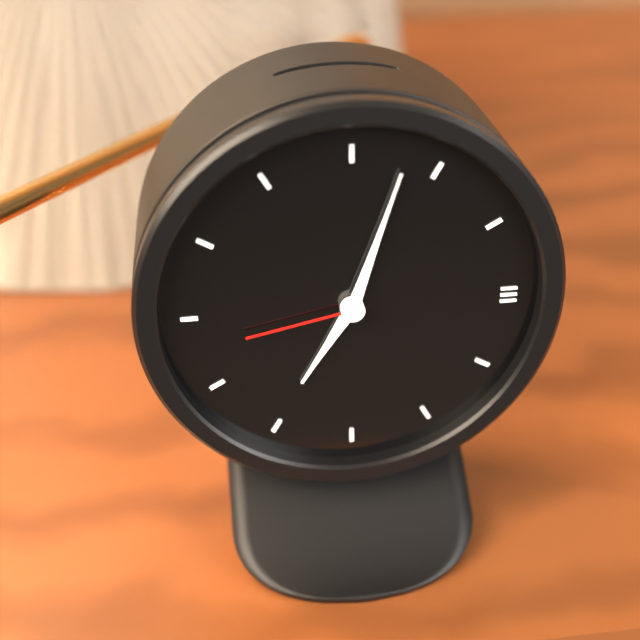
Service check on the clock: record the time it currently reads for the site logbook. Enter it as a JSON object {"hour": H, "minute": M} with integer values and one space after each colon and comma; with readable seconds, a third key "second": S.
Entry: {"hour": 7, "minute": 3, "second": 43}
